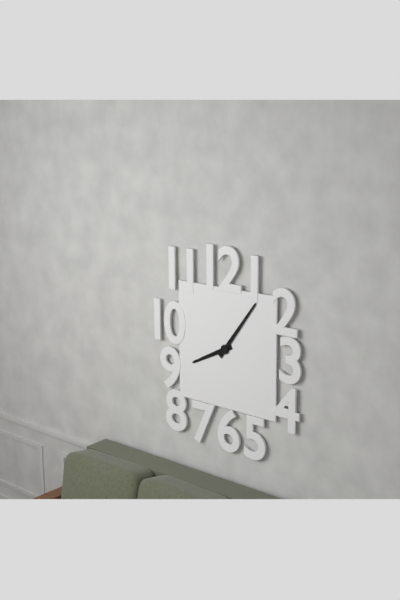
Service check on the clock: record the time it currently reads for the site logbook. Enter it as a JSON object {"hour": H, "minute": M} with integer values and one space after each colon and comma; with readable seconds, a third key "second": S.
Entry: {"hour": 8, "minute": 6}
